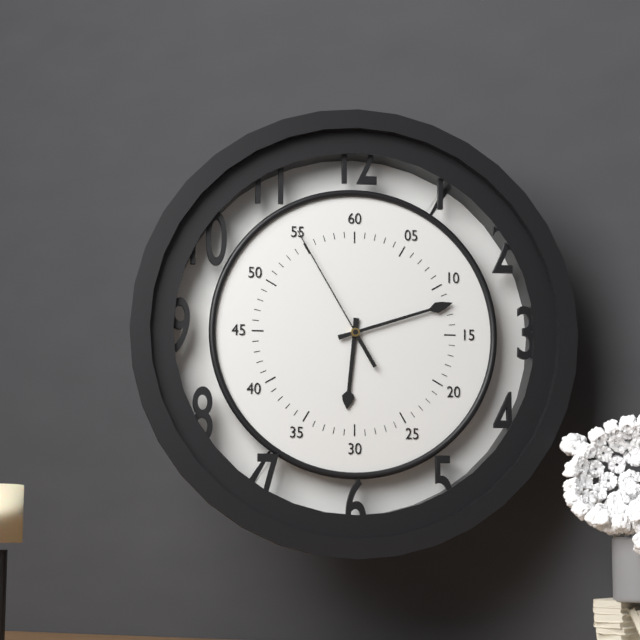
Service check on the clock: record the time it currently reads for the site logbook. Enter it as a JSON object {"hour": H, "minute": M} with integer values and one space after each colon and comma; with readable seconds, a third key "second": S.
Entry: {"hour": 6, "minute": 12, "second": 55}
